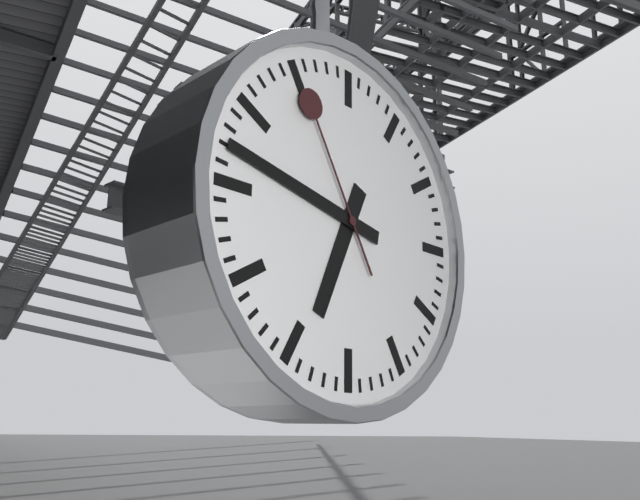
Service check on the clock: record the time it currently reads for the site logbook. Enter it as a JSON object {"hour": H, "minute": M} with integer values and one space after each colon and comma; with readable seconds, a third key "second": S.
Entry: {"hour": 6, "minute": 47, "second": 55}
